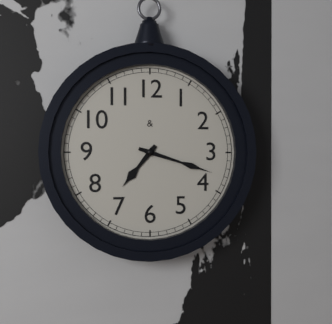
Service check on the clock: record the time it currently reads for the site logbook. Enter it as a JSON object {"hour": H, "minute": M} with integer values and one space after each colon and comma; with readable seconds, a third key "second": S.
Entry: {"hour": 7, "minute": 18}
